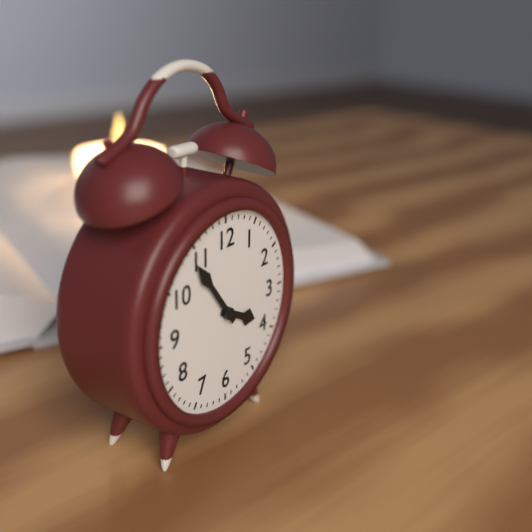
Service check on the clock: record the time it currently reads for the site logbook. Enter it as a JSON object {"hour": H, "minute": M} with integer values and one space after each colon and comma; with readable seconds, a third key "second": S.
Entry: {"hour": 3, "minute": 54}
